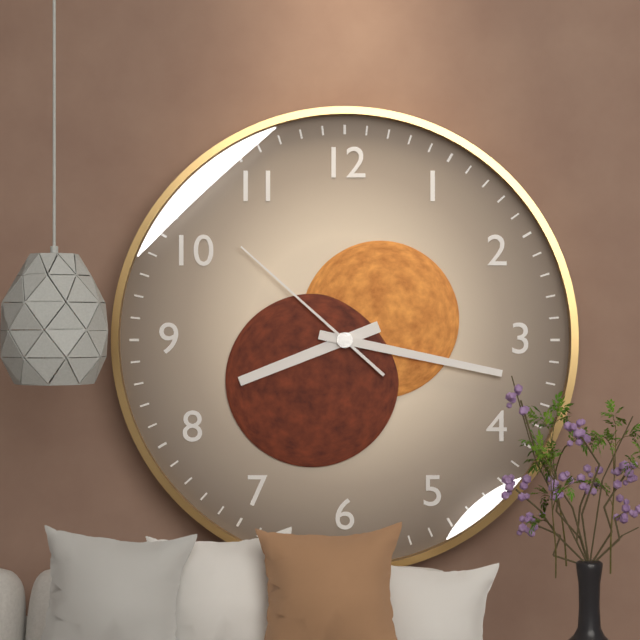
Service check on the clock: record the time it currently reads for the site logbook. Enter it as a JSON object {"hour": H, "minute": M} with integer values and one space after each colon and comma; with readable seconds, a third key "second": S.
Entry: {"hour": 8, "minute": 17, "second": 52}
